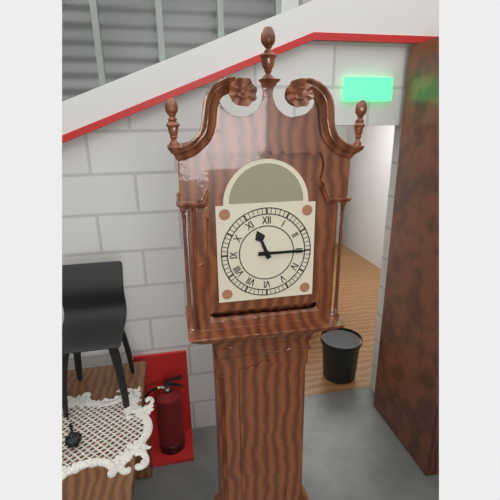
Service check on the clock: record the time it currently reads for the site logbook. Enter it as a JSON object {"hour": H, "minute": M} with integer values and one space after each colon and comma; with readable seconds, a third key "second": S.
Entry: {"hour": 11, "minute": 15}
